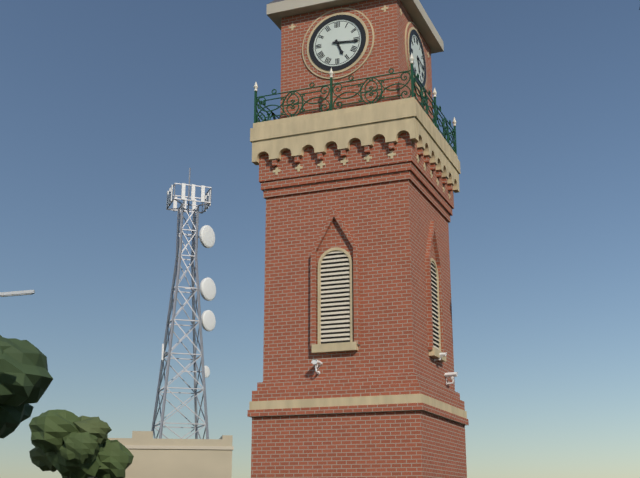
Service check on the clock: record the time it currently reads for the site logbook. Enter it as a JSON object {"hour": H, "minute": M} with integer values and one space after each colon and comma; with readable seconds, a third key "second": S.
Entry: {"hour": 5, "minute": 16}
